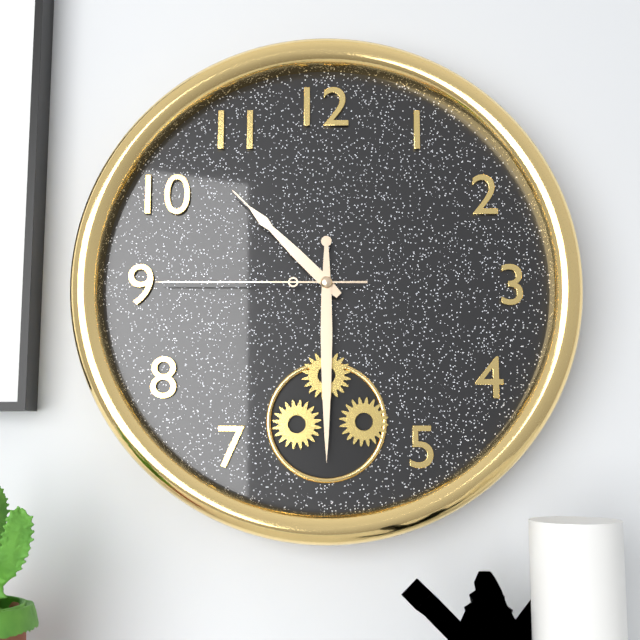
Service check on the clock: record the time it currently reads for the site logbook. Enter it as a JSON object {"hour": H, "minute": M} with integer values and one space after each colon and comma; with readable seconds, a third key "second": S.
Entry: {"hour": 10, "minute": 30, "second": 45}
